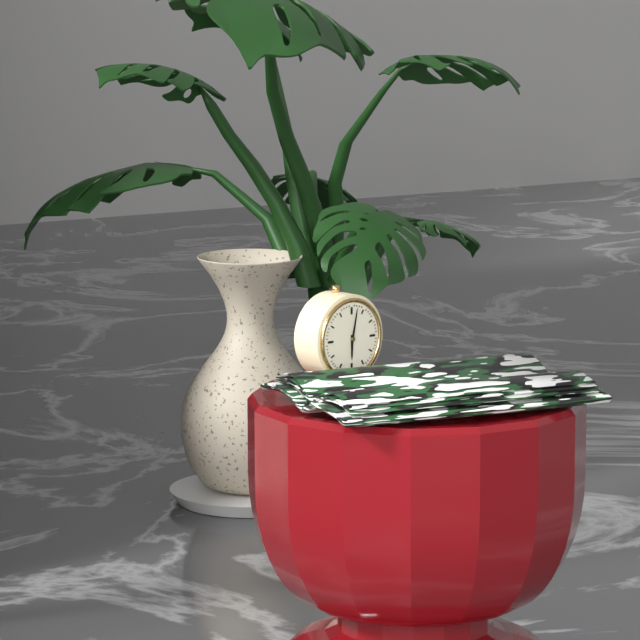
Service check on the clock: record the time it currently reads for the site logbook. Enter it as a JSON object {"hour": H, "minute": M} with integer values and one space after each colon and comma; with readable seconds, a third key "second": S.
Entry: {"hour": 6, "minute": 2}
